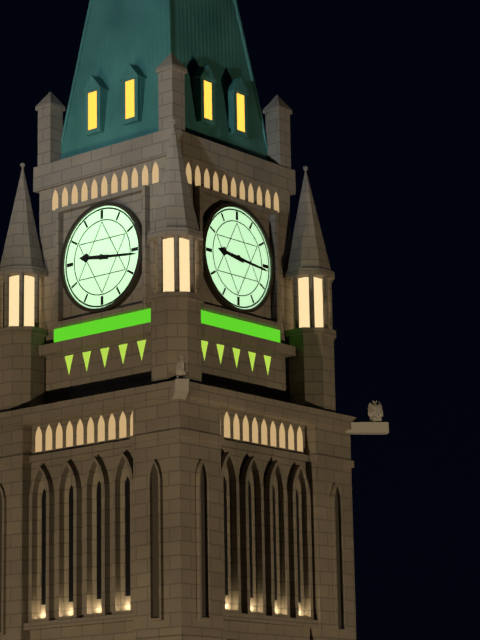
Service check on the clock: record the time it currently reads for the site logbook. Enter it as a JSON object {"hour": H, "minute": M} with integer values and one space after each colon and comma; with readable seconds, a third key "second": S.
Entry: {"hour": 9, "minute": 16}
